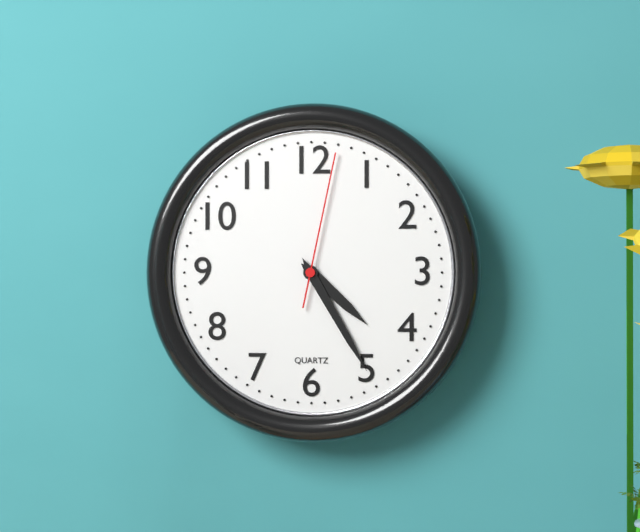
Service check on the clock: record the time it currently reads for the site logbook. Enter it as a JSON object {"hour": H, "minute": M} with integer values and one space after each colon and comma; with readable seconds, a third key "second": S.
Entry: {"hour": 4, "minute": 25, "second": 2}
